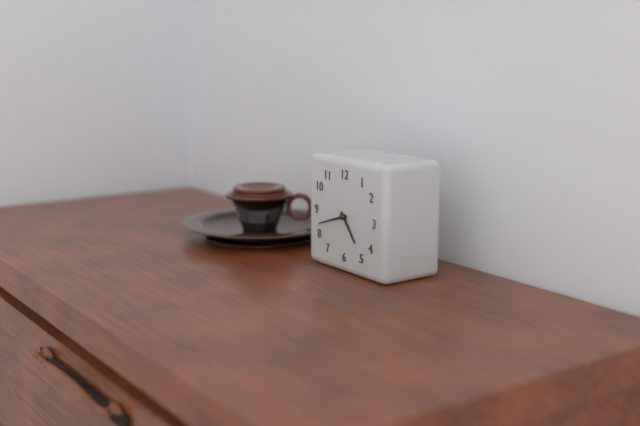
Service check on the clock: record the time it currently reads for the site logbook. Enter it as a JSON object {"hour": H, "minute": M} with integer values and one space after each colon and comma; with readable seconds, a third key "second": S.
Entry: {"hour": 4, "minute": 42}
